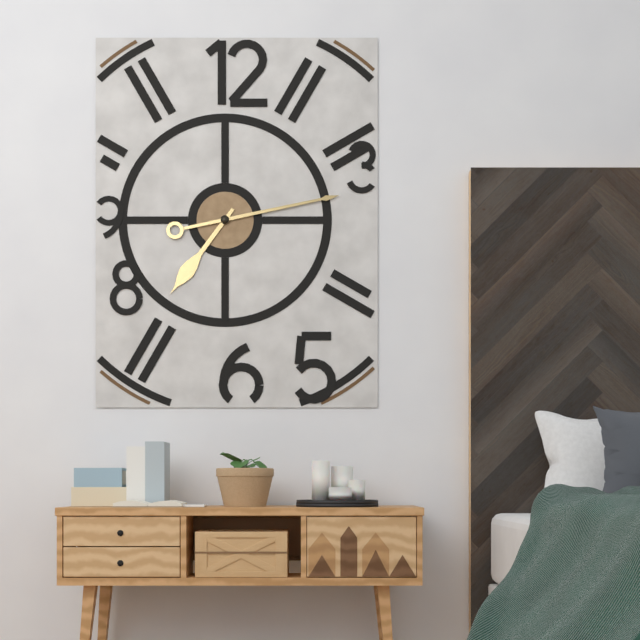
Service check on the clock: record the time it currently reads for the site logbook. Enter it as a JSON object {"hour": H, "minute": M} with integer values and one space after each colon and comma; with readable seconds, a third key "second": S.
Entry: {"hour": 7, "minute": 13}
